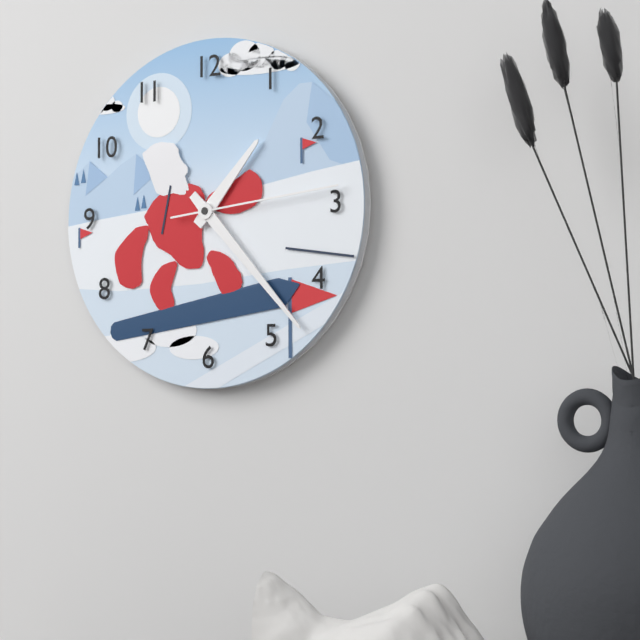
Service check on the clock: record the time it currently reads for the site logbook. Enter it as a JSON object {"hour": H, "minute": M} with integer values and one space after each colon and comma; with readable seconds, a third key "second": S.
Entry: {"hour": 1, "minute": 23, "second": 14}
